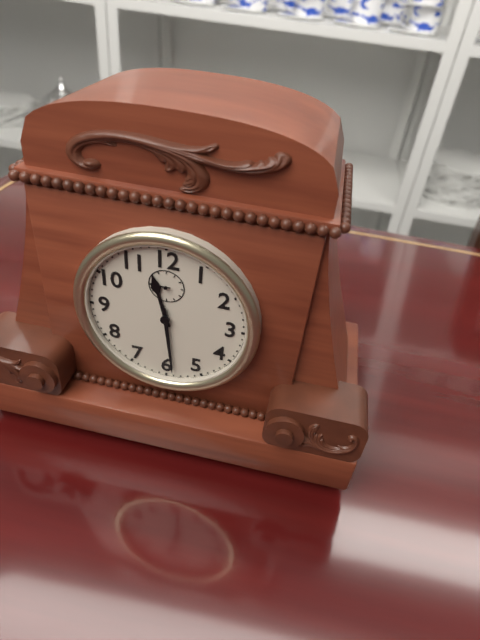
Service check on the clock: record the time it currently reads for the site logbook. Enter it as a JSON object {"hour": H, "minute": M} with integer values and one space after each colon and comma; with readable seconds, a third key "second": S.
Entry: {"hour": 11, "minute": 29}
